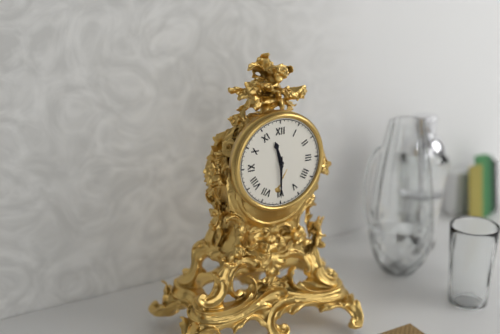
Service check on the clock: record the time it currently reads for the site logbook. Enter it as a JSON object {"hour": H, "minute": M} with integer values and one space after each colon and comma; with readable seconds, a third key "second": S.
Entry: {"hour": 11, "minute": 30}
